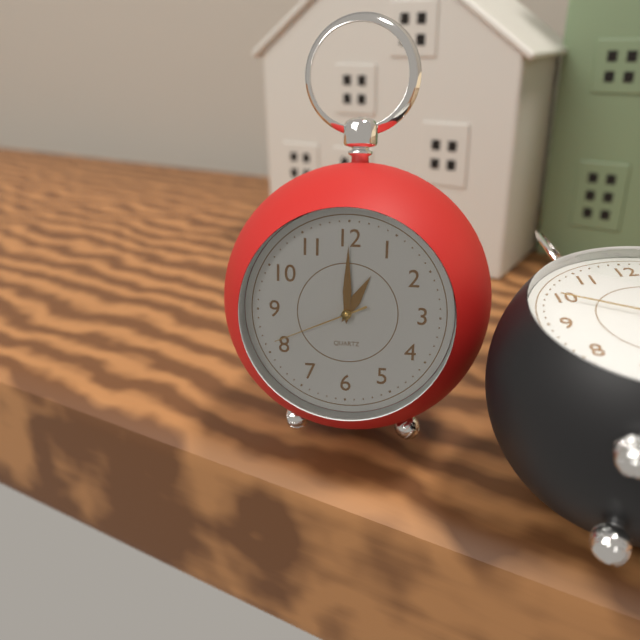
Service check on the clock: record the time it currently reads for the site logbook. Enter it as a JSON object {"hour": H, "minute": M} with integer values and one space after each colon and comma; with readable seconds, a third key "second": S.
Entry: {"hour": 1, "minute": 0, "second": 41}
